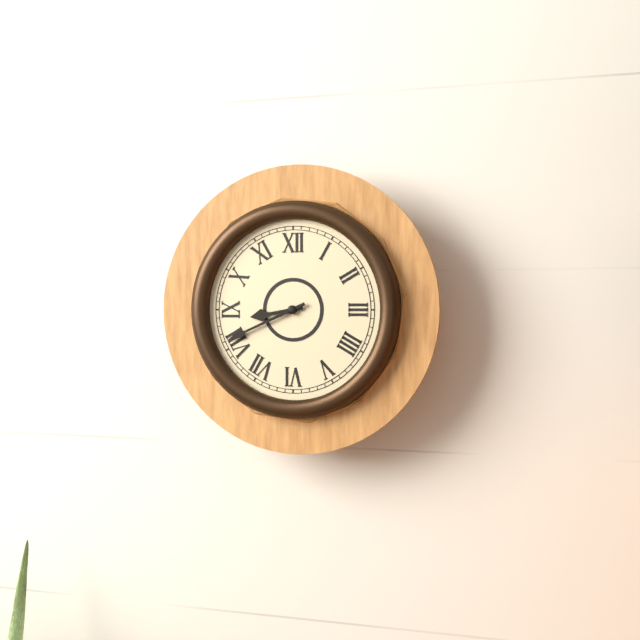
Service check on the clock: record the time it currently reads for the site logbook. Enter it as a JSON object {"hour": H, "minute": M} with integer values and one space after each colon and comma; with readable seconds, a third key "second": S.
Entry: {"hour": 8, "minute": 41}
